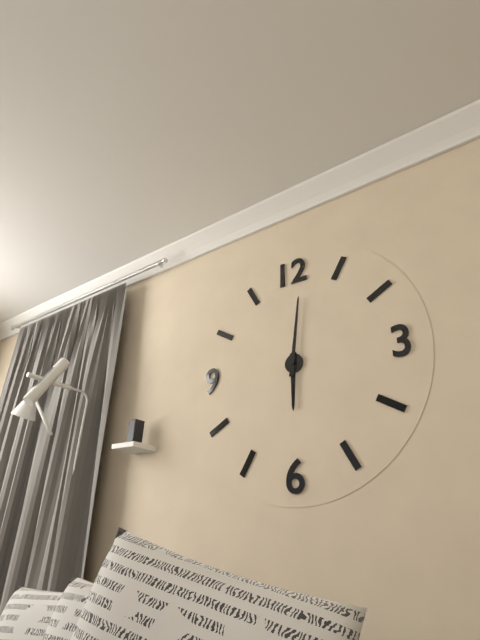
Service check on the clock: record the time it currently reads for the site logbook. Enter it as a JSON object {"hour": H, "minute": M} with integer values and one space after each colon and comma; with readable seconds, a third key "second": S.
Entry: {"hour": 6, "minute": 1}
